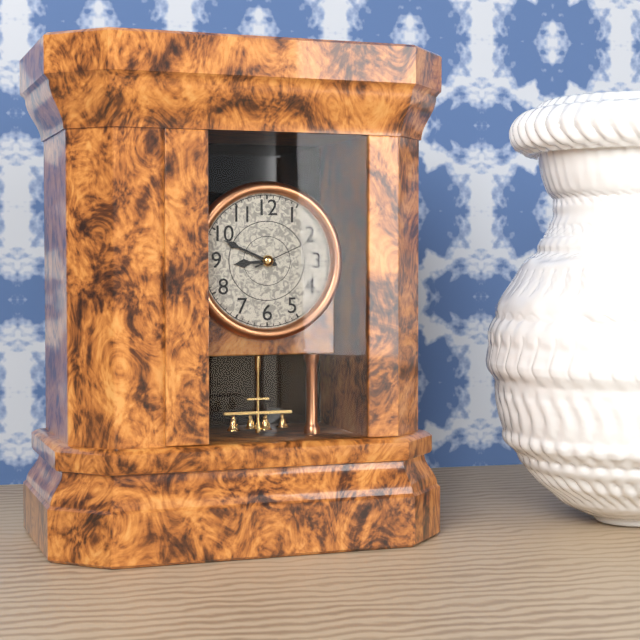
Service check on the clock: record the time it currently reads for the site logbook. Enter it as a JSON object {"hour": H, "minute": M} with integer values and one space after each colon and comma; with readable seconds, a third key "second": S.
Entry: {"hour": 8, "minute": 49, "second": 11}
